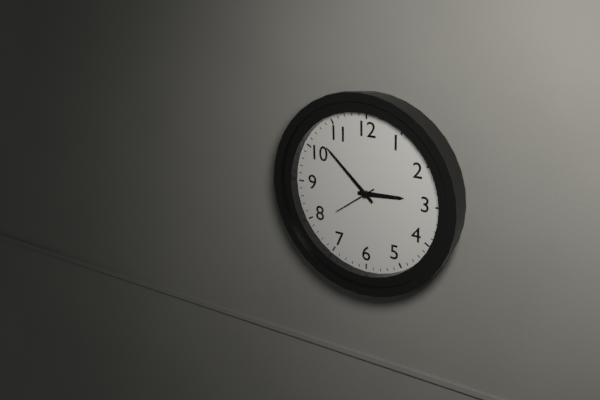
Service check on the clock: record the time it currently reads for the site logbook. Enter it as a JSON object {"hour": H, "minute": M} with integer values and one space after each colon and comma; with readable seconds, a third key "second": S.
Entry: {"hour": 2, "minute": 52}
